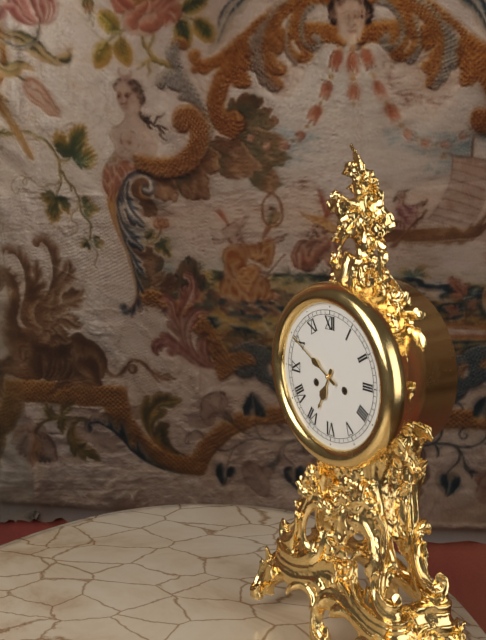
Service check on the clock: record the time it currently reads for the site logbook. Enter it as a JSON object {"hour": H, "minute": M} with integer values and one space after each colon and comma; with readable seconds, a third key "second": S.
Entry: {"hour": 6, "minute": 50}
